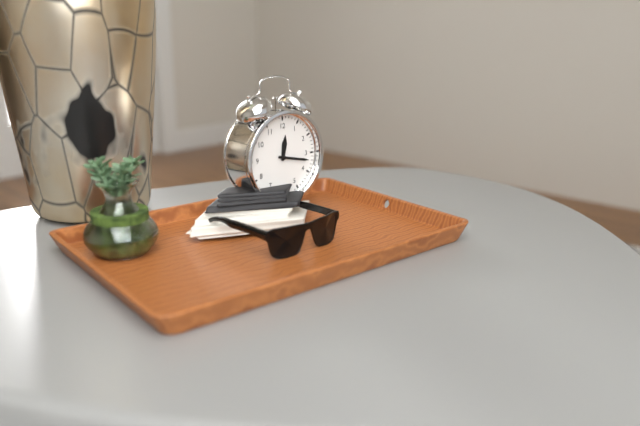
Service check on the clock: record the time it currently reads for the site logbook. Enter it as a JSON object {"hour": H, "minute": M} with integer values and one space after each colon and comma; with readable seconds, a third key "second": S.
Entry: {"hour": 12, "minute": 17}
